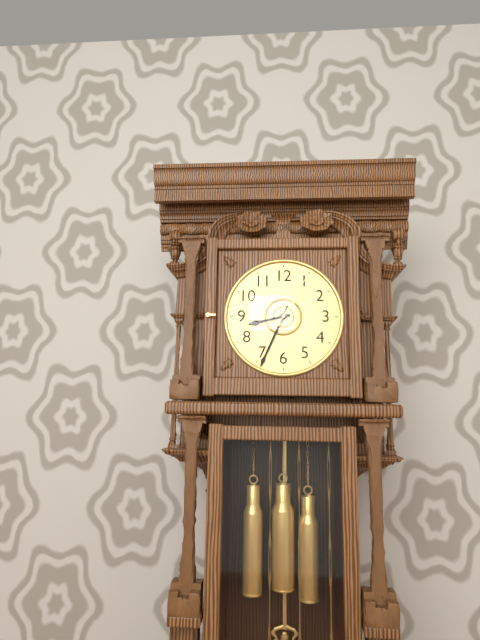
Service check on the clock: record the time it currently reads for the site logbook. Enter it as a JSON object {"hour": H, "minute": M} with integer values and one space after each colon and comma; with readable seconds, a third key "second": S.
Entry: {"hour": 8, "minute": 34, "second": 5}
